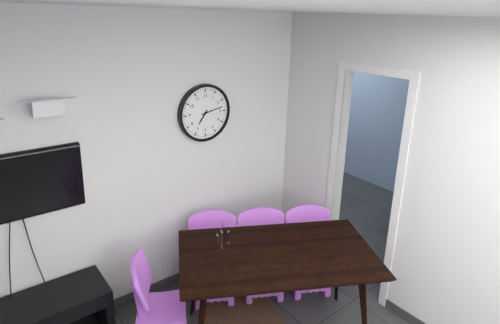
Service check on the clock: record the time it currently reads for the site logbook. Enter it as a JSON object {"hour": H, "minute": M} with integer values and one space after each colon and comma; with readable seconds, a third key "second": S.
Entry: {"hour": 7, "minute": 13}
